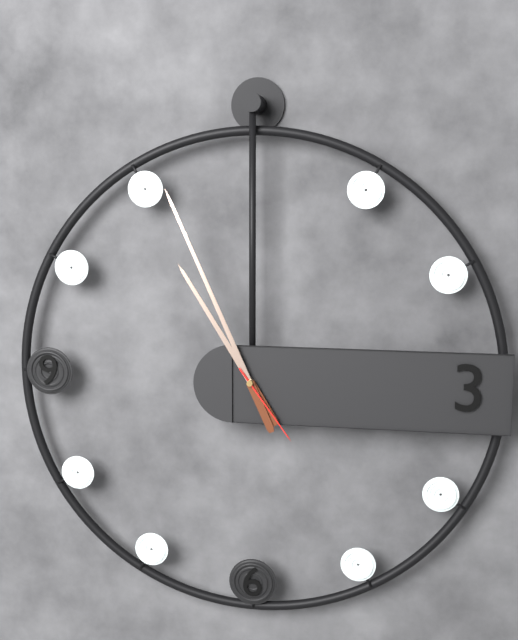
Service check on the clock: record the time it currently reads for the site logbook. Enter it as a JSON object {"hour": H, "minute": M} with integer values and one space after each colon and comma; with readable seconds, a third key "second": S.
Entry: {"hour": 10, "minute": 56, "second": 24}
